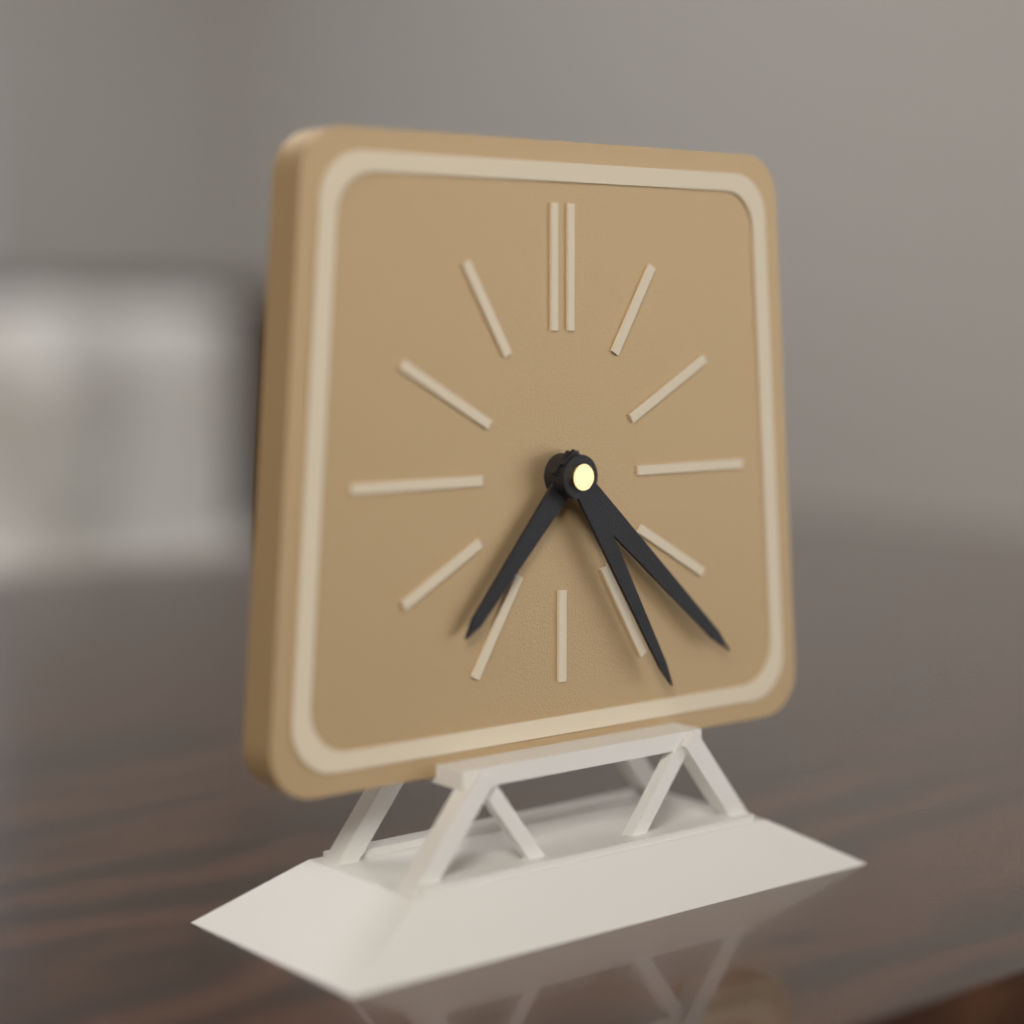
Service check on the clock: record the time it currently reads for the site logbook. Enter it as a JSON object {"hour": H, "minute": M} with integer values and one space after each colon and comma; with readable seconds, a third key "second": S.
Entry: {"hour": 7, "minute": 22, "second": 25}
